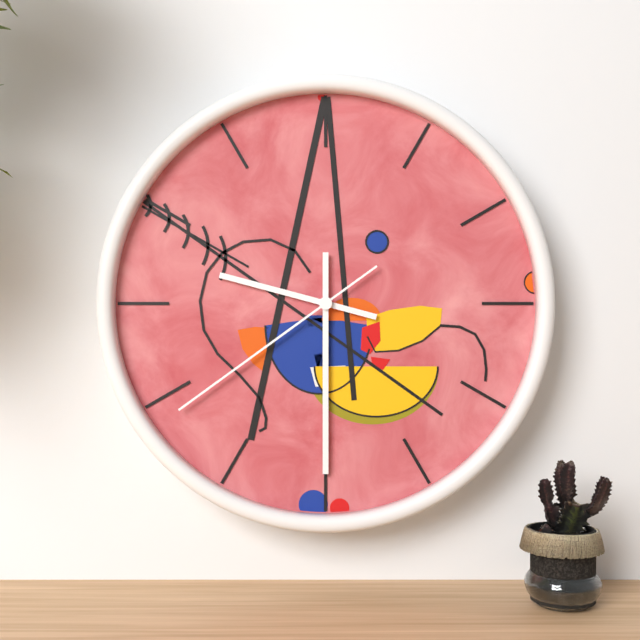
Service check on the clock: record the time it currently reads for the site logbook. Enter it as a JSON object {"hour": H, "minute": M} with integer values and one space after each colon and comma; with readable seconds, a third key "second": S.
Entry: {"hour": 9, "minute": 30, "second": 39}
